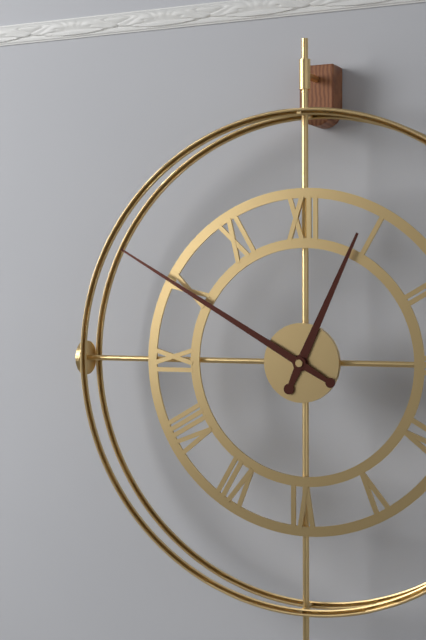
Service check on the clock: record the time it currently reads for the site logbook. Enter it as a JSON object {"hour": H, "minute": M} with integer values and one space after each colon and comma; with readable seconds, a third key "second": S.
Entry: {"hour": 12, "minute": 50}
